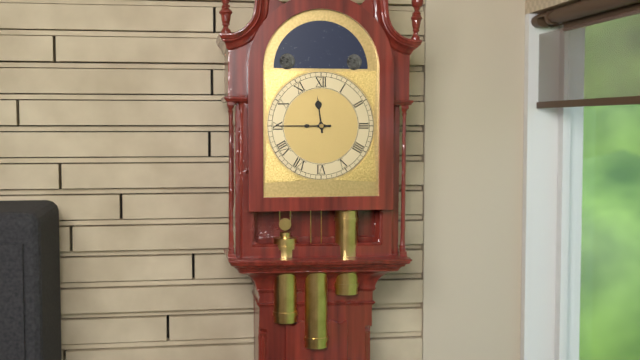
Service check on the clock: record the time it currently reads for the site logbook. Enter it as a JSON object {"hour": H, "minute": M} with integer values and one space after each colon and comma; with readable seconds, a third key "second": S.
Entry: {"hour": 11, "minute": 45}
